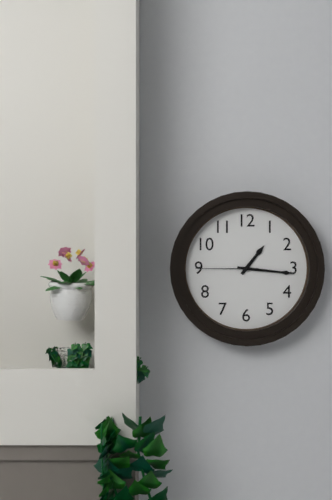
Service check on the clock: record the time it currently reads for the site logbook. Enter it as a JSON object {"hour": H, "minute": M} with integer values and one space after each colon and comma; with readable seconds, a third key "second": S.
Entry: {"hour": 1, "minute": 16, "second": 45}
